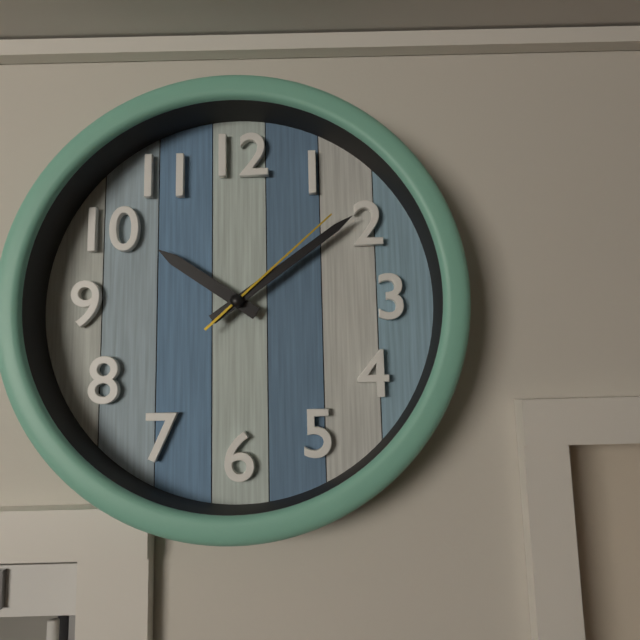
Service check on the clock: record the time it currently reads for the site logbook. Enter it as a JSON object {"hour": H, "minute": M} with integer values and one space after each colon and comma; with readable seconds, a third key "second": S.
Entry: {"hour": 10, "minute": 9, "second": 8}
